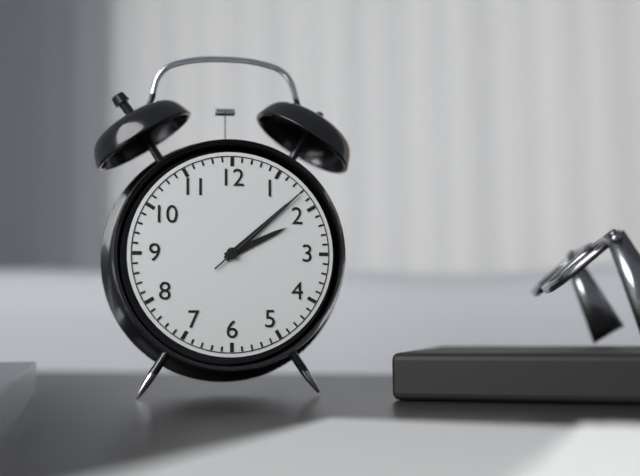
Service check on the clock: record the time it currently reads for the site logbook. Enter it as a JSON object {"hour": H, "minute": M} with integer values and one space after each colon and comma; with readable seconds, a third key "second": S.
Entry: {"hour": 2, "minute": 8, "second": 8}
